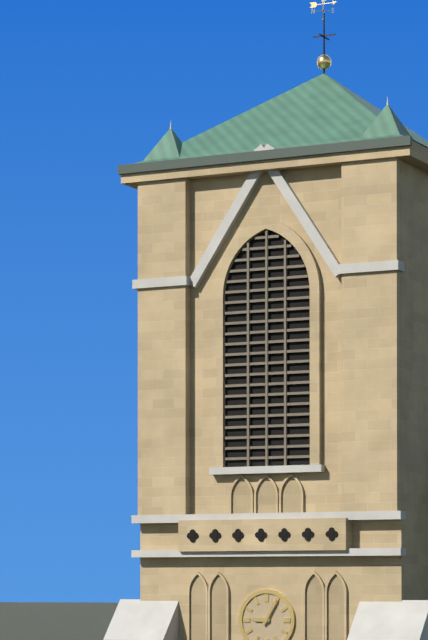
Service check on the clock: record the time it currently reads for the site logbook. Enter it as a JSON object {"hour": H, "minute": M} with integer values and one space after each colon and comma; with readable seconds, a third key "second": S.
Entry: {"hour": 9, "minute": 5}
